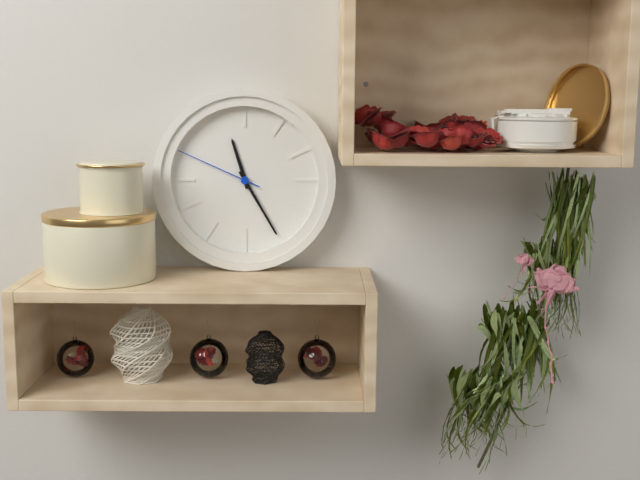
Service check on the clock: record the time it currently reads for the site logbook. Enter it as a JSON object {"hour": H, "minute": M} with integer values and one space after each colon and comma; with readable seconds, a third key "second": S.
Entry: {"hour": 11, "minute": 25, "second": 49}
